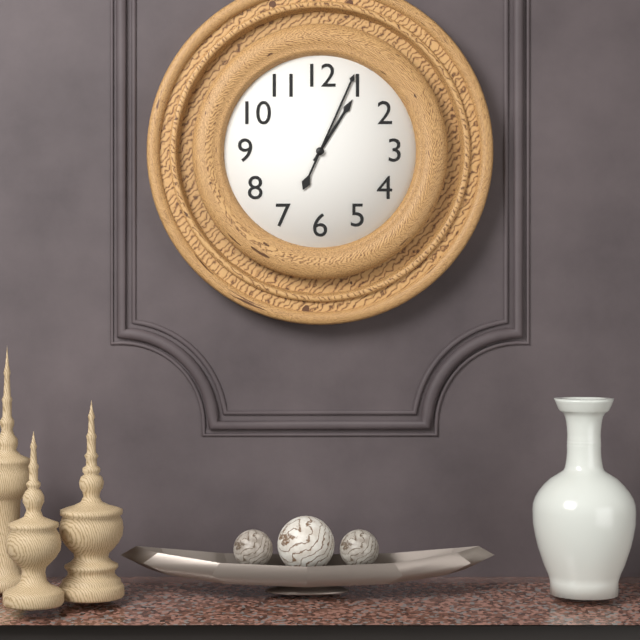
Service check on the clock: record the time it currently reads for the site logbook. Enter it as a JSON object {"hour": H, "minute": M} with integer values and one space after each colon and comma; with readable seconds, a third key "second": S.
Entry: {"hour": 1, "minute": 4}
